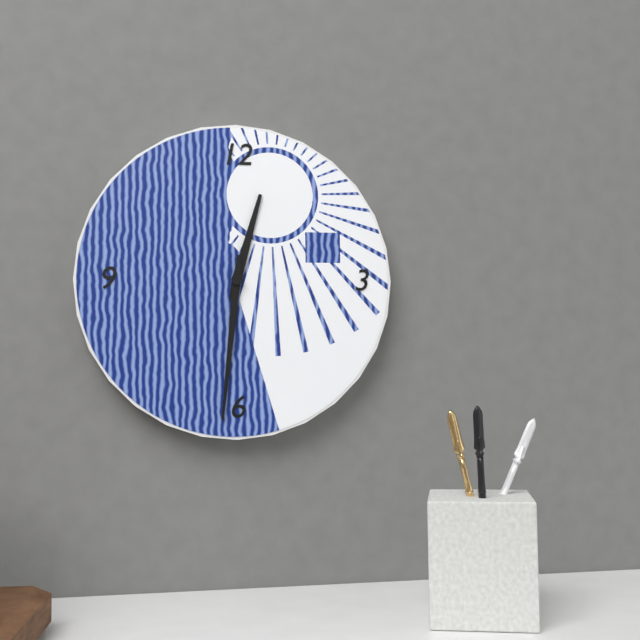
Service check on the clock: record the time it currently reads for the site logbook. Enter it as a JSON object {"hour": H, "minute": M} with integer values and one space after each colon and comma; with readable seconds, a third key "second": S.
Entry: {"hour": 12, "minute": 31}
